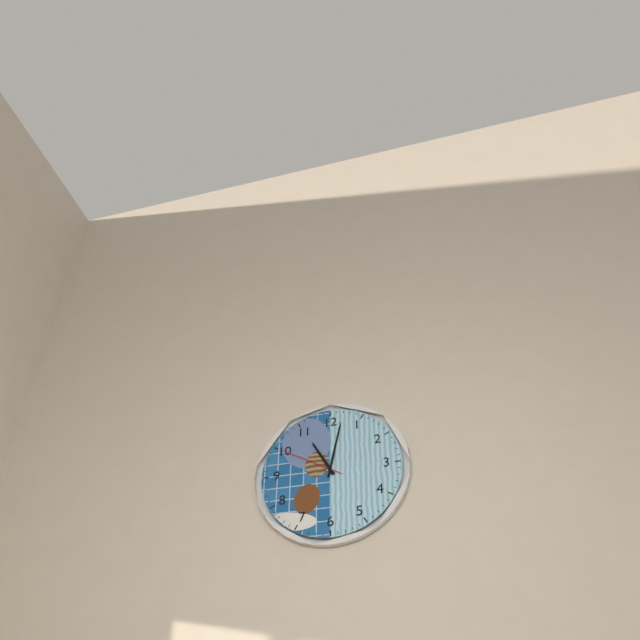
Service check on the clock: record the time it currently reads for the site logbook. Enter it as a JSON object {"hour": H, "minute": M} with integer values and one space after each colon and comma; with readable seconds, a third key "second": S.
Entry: {"hour": 11, "minute": 2, "second": 50}
